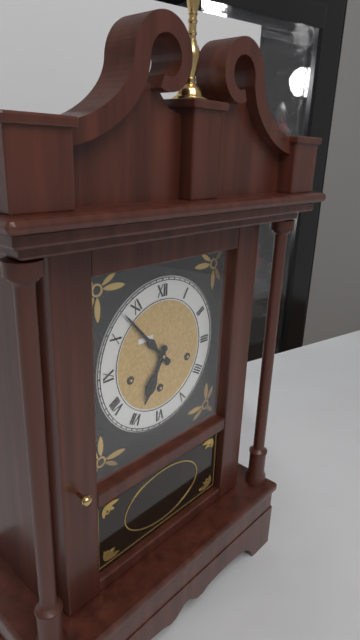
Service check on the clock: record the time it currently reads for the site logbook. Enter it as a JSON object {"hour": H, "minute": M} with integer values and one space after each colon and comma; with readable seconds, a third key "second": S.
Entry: {"hour": 6, "minute": 53}
